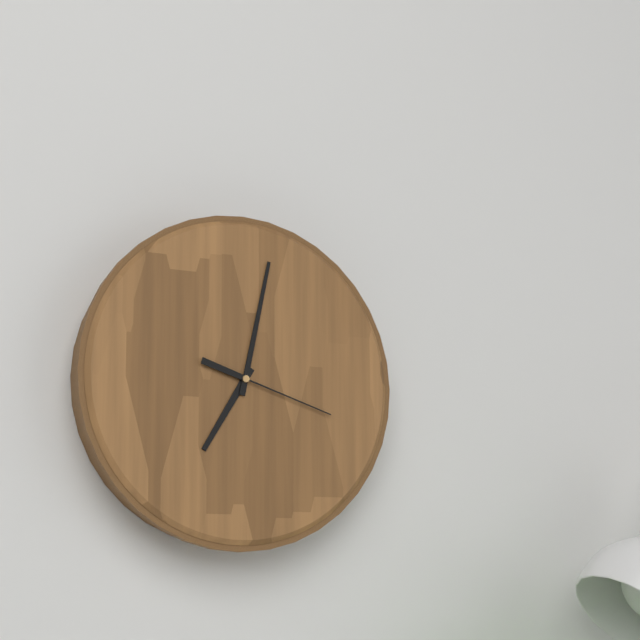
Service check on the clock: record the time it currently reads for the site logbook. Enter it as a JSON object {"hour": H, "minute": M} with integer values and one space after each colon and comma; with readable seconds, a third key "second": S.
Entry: {"hour": 7, "minute": 2, "second": 18}
